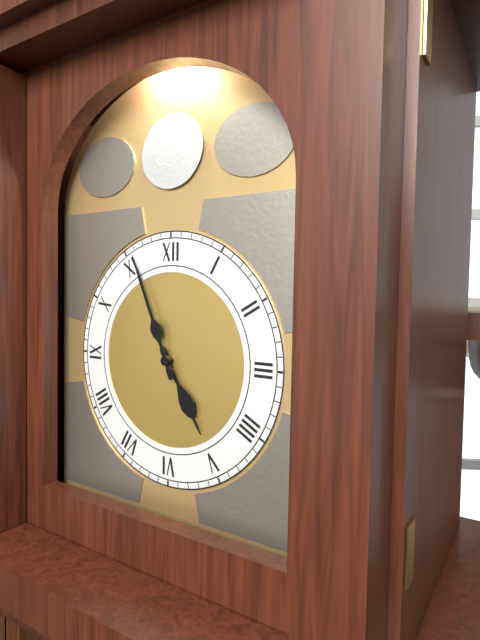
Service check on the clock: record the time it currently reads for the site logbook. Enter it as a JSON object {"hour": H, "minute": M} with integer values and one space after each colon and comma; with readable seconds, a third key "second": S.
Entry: {"hour": 4, "minute": 56}
